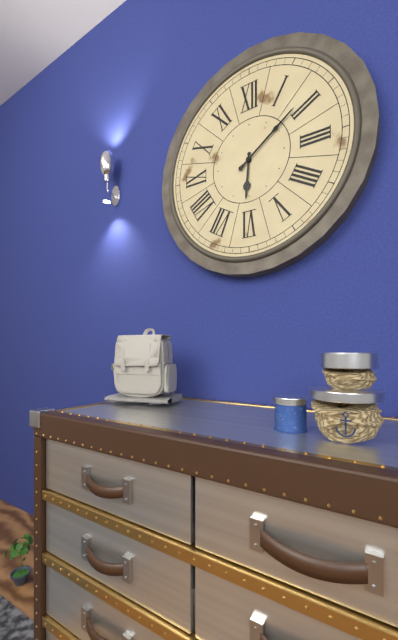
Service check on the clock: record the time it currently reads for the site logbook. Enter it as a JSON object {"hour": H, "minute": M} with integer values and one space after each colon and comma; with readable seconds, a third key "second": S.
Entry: {"hour": 6, "minute": 9}
